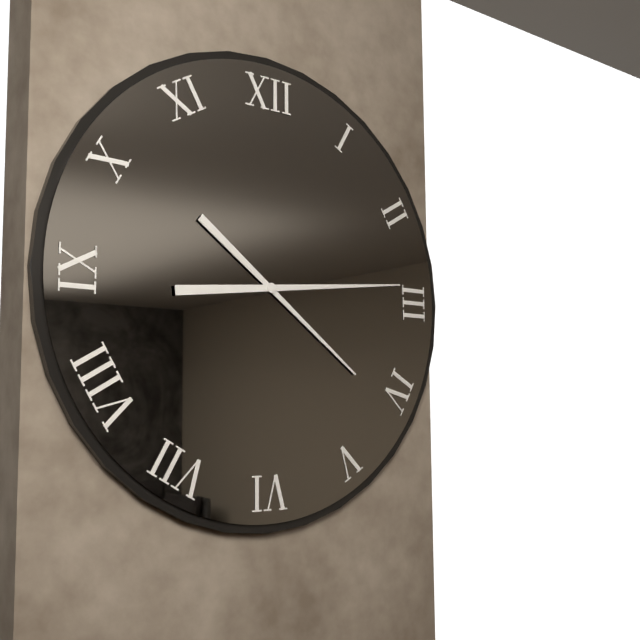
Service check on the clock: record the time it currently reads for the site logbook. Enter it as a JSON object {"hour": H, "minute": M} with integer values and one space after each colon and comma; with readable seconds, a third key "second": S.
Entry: {"hour": 4, "minute": 14}
